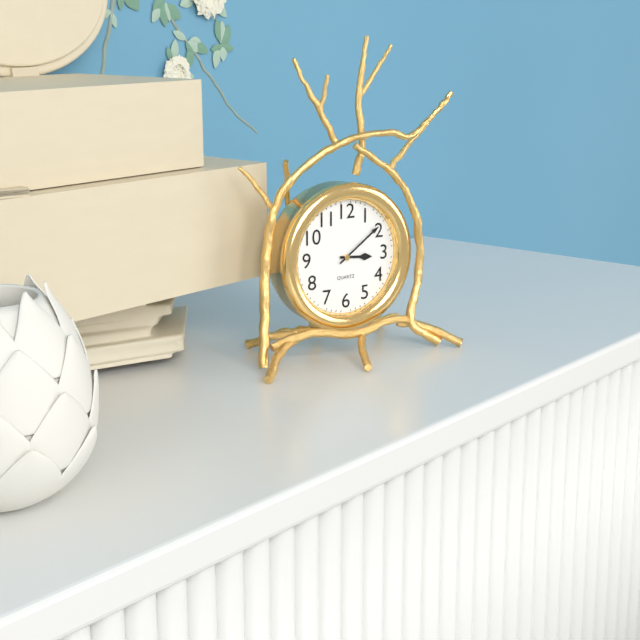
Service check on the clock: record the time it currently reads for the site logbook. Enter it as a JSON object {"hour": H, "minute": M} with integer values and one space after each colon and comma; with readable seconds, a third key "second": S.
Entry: {"hour": 3, "minute": 9}
